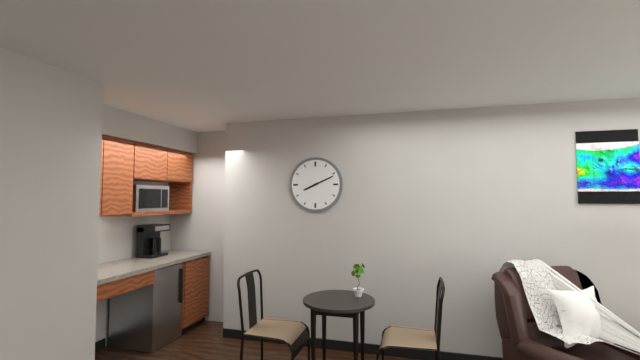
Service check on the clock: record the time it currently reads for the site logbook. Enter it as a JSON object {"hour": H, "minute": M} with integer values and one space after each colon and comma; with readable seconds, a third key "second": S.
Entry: {"hour": 8, "minute": 11}
